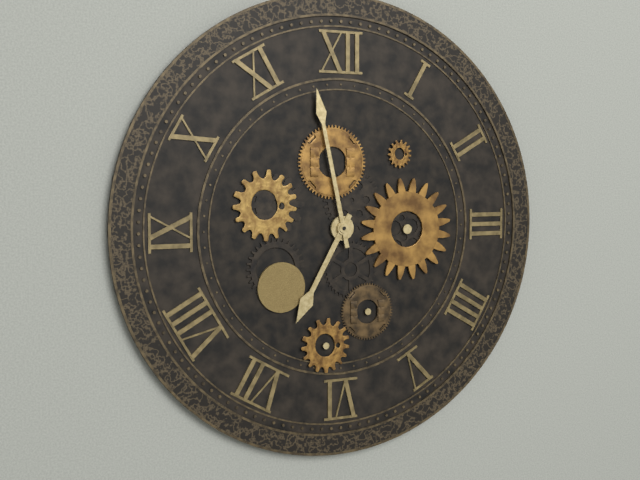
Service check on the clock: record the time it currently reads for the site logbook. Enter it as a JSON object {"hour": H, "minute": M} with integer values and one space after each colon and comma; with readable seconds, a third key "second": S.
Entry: {"hour": 6, "minute": 58}
